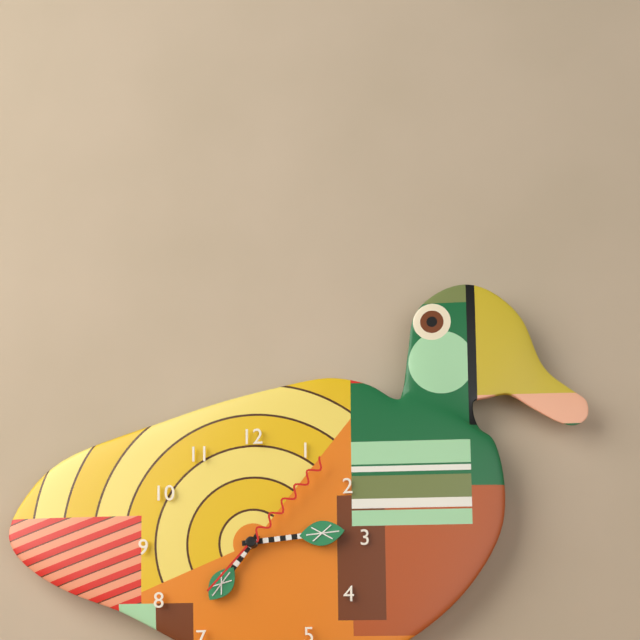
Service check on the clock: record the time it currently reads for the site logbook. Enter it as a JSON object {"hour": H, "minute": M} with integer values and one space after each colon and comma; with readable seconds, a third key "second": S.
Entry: {"hour": 7, "minute": 14, "second": 7}
